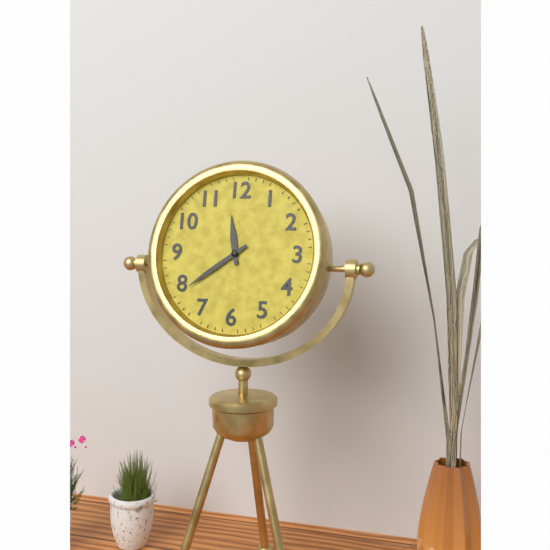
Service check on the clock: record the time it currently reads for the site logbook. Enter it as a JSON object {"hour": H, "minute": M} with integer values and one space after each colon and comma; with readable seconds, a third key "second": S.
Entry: {"hour": 11, "minute": 39}
